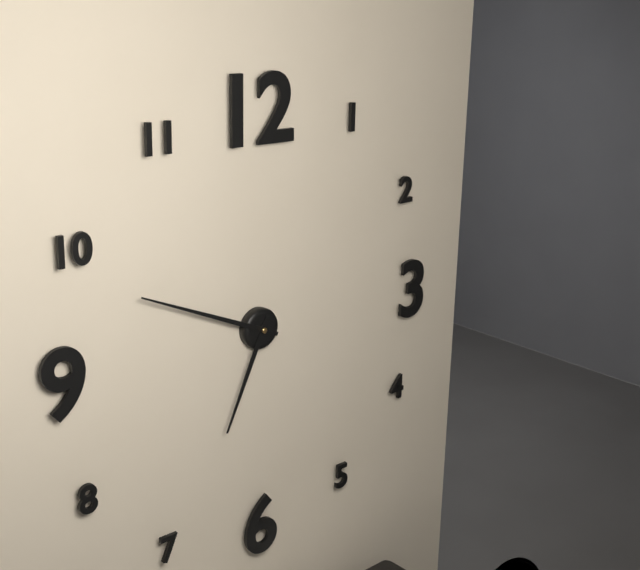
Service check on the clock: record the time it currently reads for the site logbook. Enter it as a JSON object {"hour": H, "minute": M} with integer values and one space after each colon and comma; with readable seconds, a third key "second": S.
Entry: {"hour": 6, "minute": 49}
